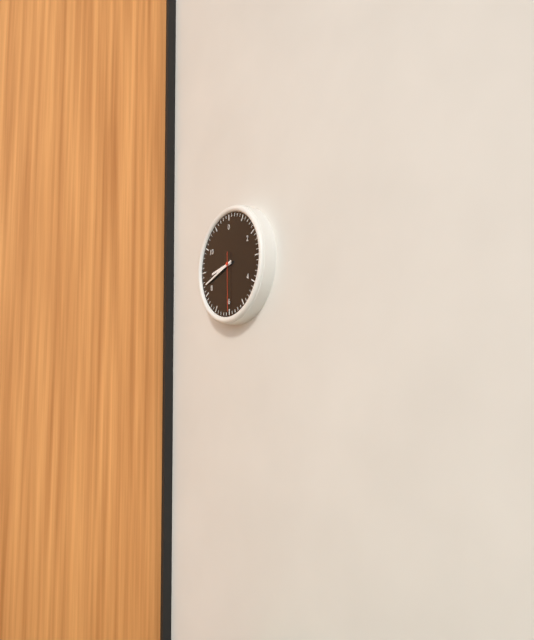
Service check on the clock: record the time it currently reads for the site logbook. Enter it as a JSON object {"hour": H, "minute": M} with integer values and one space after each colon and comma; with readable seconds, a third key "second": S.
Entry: {"hour": 8, "minute": 42, "second": 30}
